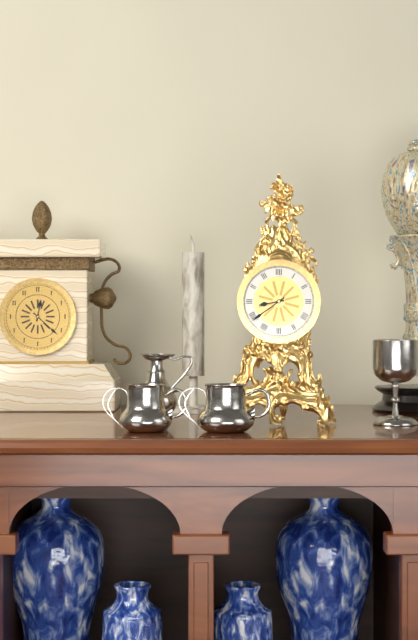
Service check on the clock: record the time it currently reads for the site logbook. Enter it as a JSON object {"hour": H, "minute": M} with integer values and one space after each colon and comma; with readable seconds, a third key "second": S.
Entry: {"hour": 8, "minute": 39}
